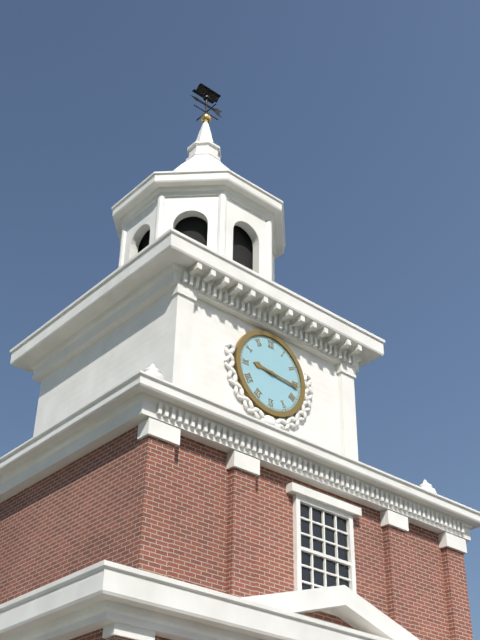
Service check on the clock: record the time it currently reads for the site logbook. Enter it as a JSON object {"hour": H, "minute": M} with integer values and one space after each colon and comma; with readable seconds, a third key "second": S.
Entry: {"hour": 9, "minute": 16}
